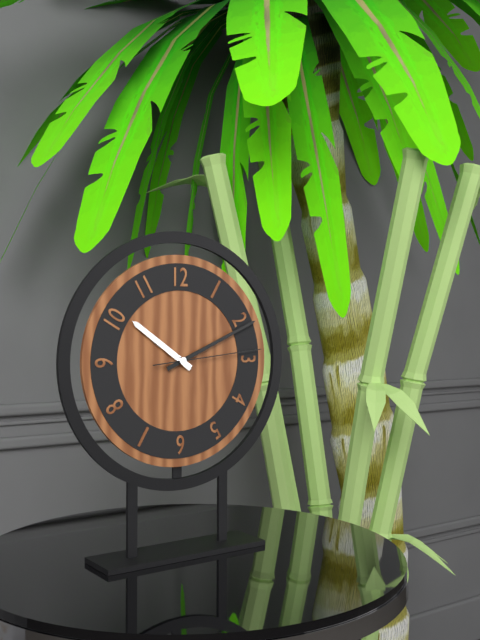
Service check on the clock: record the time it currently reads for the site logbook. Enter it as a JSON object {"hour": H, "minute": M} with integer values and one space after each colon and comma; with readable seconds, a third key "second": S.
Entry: {"hour": 10, "minute": 11, "second": 14}
